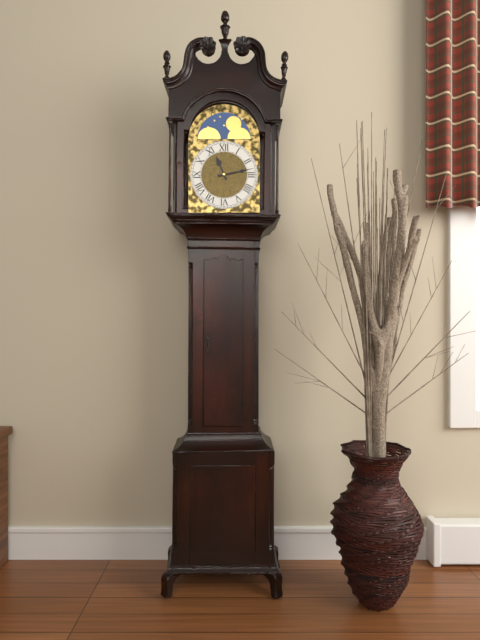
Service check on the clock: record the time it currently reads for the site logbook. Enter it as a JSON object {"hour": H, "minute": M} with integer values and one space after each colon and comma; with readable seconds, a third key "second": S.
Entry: {"hour": 11, "minute": 13}
